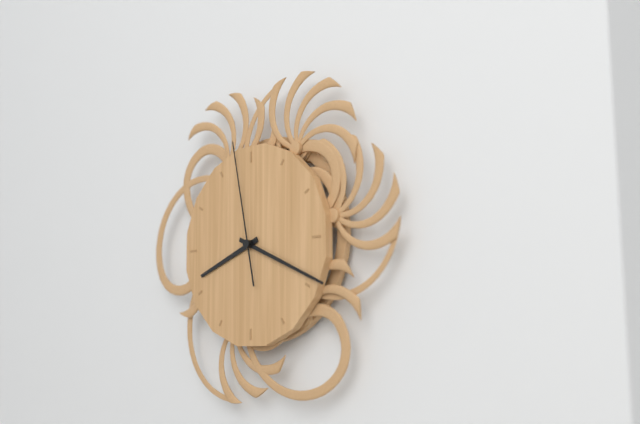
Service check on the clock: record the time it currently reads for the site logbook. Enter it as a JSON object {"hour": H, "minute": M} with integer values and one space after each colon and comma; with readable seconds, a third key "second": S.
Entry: {"hour": 8, "minute": 19, "second": 58}
